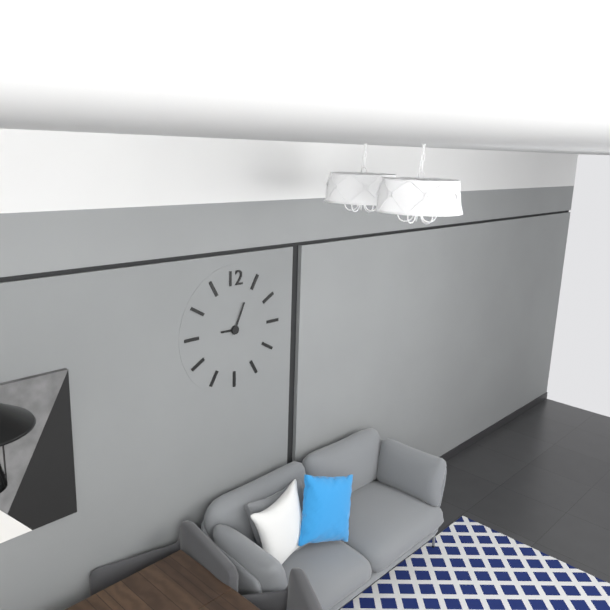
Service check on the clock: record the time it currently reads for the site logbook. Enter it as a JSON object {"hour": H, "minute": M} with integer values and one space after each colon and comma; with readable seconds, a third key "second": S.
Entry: {"hour": 9, "minute": 4}
